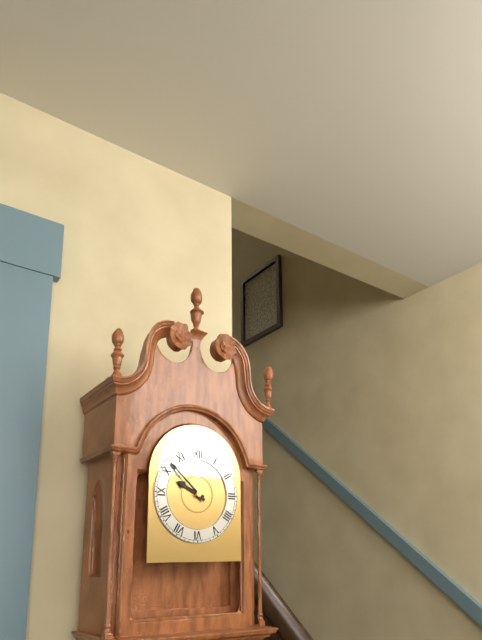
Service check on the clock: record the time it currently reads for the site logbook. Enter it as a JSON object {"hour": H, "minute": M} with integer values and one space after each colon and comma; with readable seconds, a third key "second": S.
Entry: {"hour": 9, "minute": 52}
